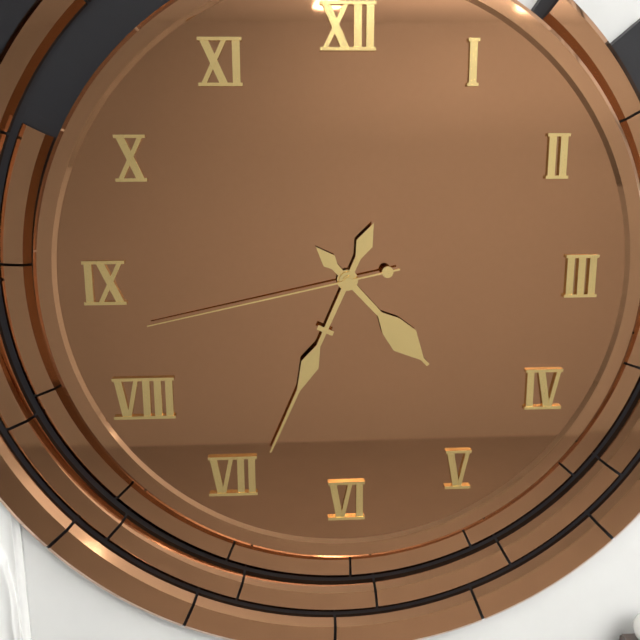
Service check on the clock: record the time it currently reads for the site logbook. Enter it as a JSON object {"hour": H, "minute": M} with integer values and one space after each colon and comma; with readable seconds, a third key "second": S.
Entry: {"hour": 4, "minute": 34, "second": 43}
